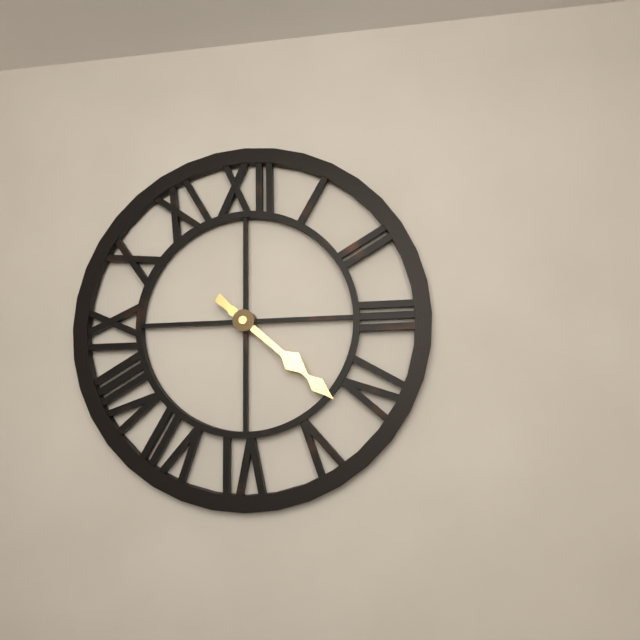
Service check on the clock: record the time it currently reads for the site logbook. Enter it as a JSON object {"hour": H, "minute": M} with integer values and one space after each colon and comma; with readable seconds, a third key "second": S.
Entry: {"hour": 4, "minute": 22}
